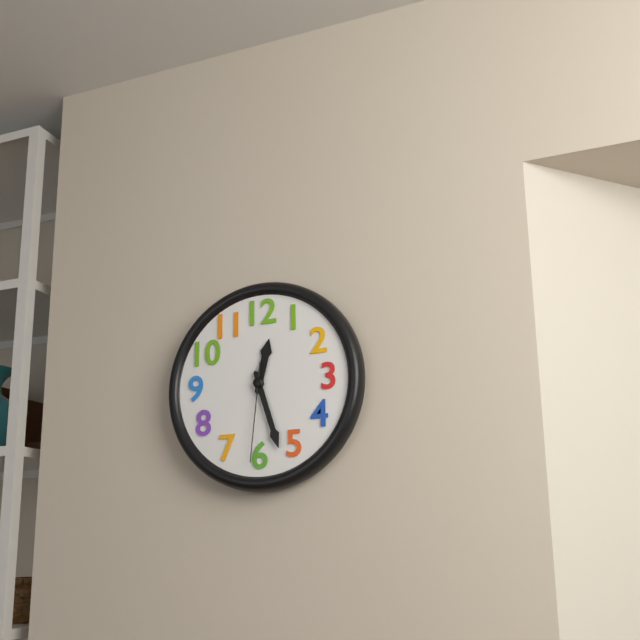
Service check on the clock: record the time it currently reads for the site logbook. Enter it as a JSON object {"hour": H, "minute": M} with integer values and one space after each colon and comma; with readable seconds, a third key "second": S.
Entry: {"hour": 12, "minute": 27, "second": 31}
